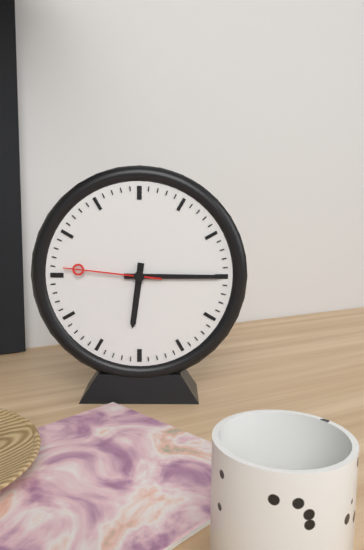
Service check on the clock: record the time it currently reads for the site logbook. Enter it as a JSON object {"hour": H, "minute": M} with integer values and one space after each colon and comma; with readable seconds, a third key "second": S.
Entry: {"hour": 6, "minute": 15, "second": 46}
